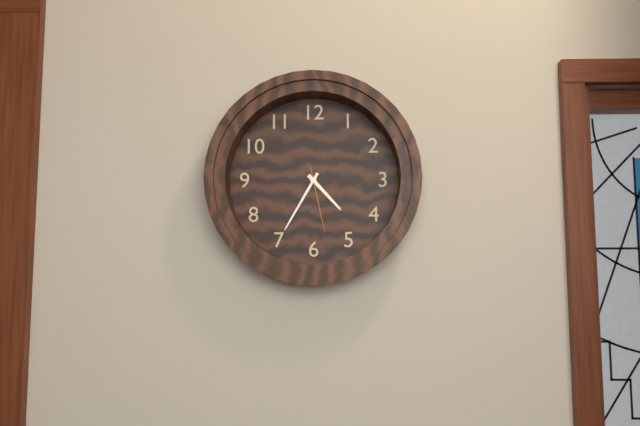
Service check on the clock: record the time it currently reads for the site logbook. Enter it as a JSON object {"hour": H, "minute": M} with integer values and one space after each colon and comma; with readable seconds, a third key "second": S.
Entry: {"hour": 4, "minute": 35, "second": 28}
